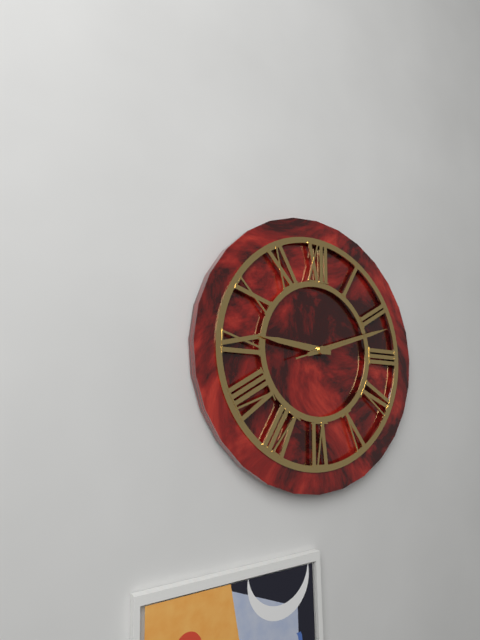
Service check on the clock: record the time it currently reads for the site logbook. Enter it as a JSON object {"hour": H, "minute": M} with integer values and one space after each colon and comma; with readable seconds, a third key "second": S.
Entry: {"hour": 9, "minute": 12, "second": 12}
